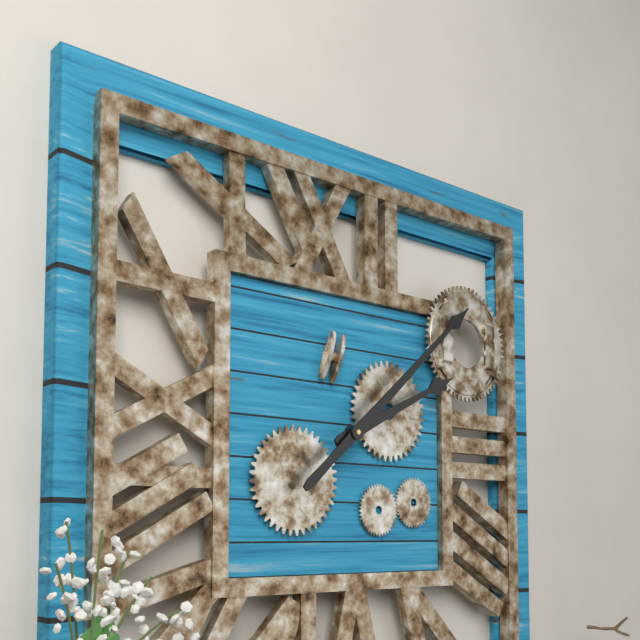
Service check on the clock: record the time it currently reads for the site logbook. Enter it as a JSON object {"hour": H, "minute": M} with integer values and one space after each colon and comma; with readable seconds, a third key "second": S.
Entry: {"hour": 2, "minute": 8}
